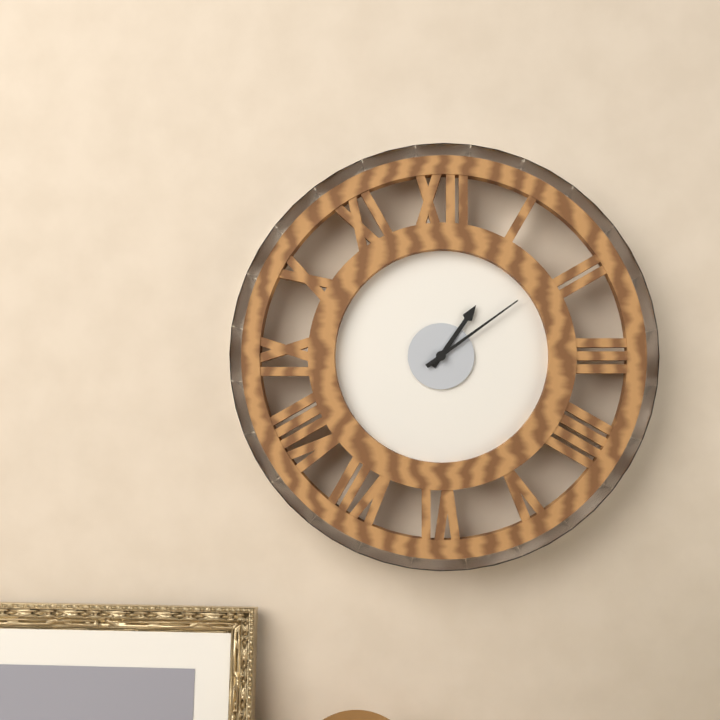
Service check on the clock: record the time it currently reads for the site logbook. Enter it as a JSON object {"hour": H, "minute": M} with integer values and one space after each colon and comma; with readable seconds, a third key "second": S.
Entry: {"hour": 1, "minute": 9}
